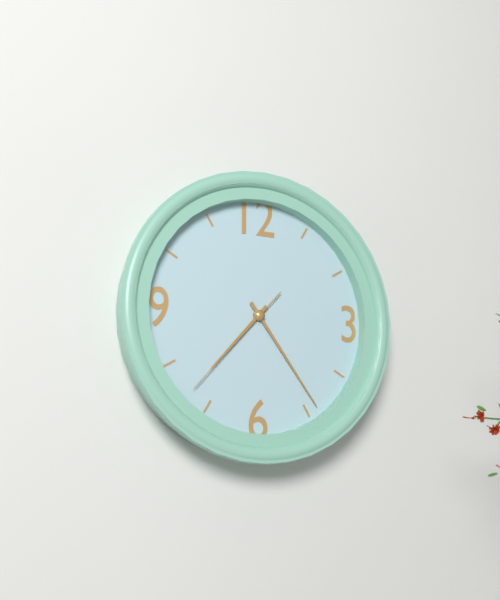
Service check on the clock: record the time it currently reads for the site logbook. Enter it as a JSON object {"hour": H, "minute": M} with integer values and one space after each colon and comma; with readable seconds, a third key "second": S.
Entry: {"hour": 7, "minute": 24, "second": 37}
